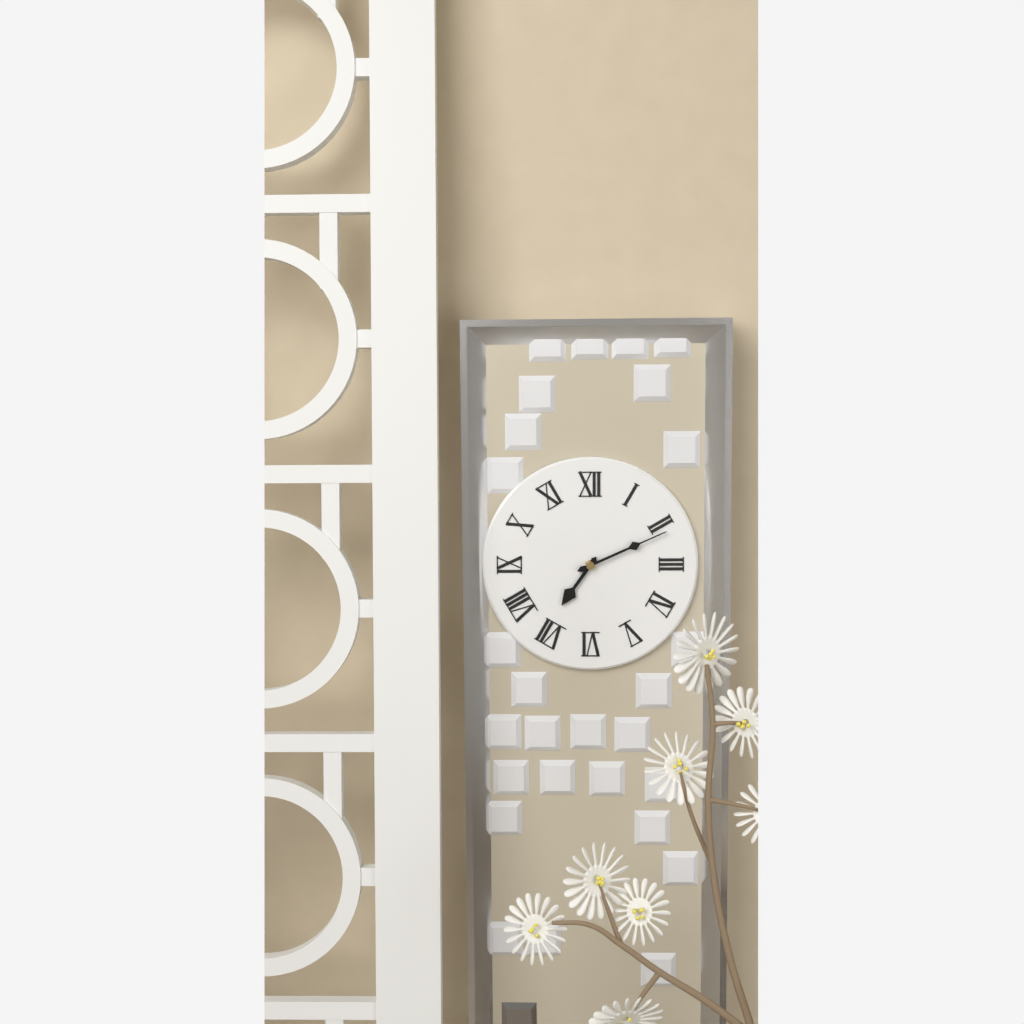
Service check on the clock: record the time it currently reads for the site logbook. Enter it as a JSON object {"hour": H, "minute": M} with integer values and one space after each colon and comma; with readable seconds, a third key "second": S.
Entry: {"hour": 7, "minute": 11}
